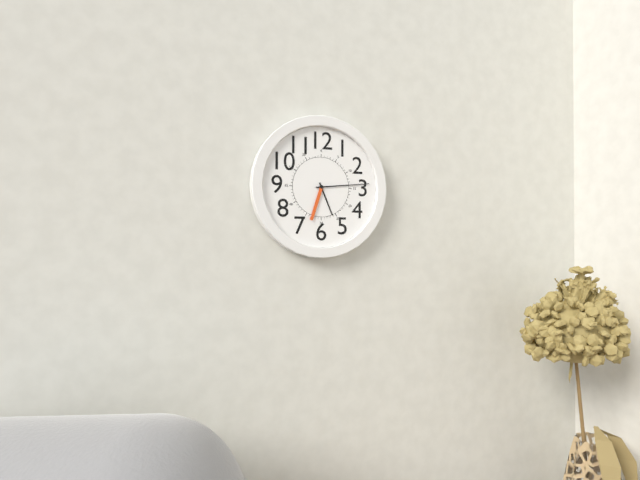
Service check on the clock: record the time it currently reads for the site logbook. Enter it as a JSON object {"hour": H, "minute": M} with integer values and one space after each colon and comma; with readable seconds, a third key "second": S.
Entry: {"hour": 5, "minute": 14}
